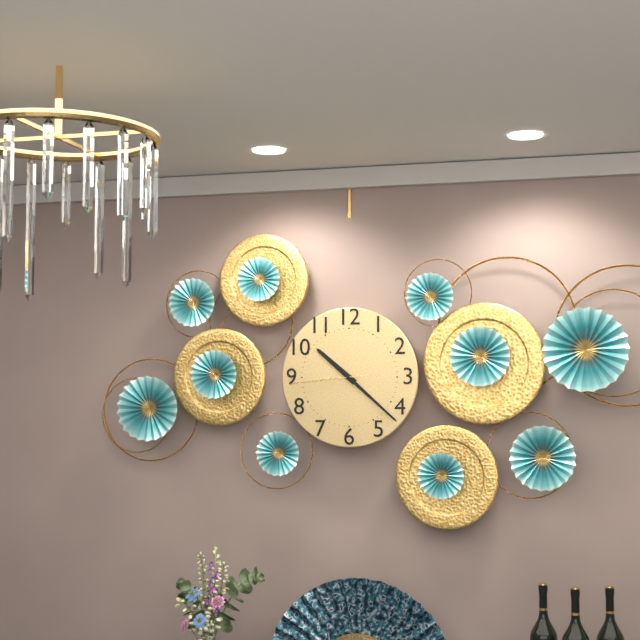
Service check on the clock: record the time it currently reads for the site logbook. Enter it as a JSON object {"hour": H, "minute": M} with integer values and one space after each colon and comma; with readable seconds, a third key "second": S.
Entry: {"hour": 10, "minute": 22, "second": 44}
